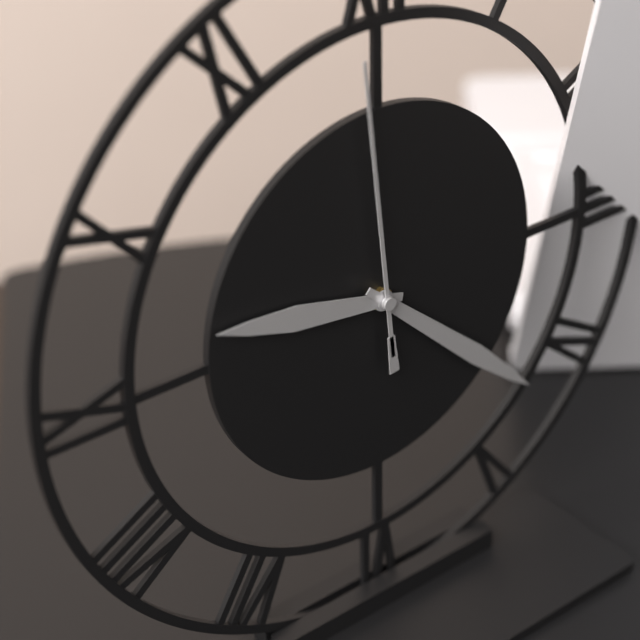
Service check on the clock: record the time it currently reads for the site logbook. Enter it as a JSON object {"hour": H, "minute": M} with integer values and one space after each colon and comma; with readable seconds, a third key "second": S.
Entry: {"hour": 9, "minute": 22, "second": 59}
